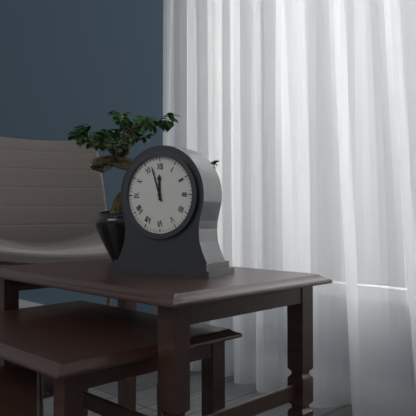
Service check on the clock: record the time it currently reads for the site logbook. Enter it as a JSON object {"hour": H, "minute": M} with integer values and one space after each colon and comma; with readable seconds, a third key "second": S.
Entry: {"hour": 11, "minute": 57}
